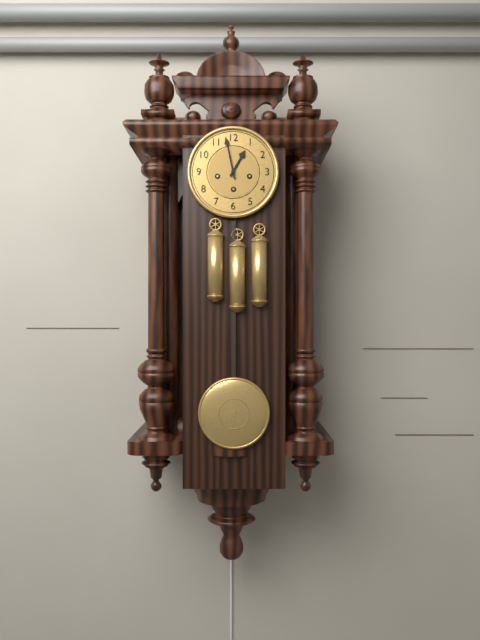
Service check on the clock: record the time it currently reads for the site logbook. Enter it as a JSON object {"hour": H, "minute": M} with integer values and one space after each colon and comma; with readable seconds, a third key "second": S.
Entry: {"hour": 12, "minute": 58}
